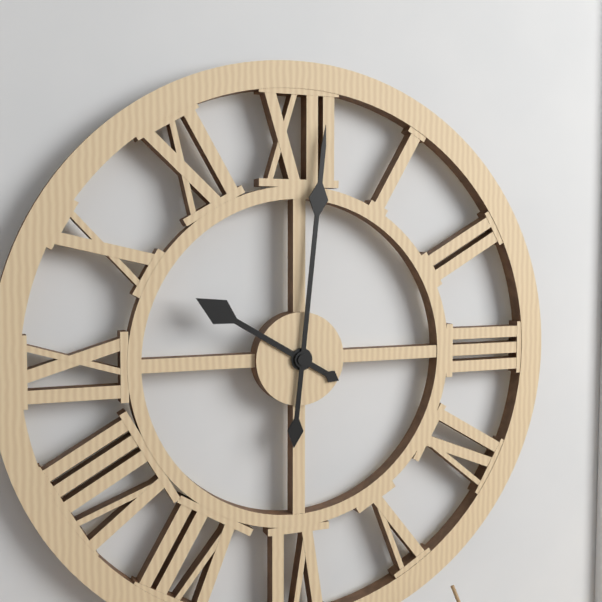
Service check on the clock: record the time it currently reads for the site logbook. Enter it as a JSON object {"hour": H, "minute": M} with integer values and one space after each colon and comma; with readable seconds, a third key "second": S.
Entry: {"hour": 10, "minute": 1}
